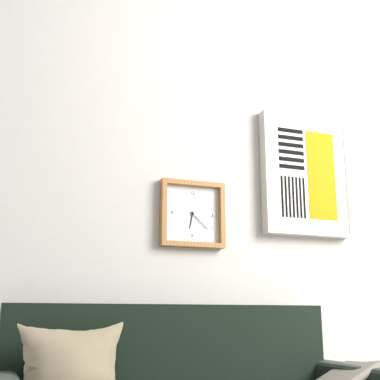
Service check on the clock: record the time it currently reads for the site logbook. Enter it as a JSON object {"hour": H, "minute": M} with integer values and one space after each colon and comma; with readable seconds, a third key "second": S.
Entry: {"hour": 6, "minute": 22}
